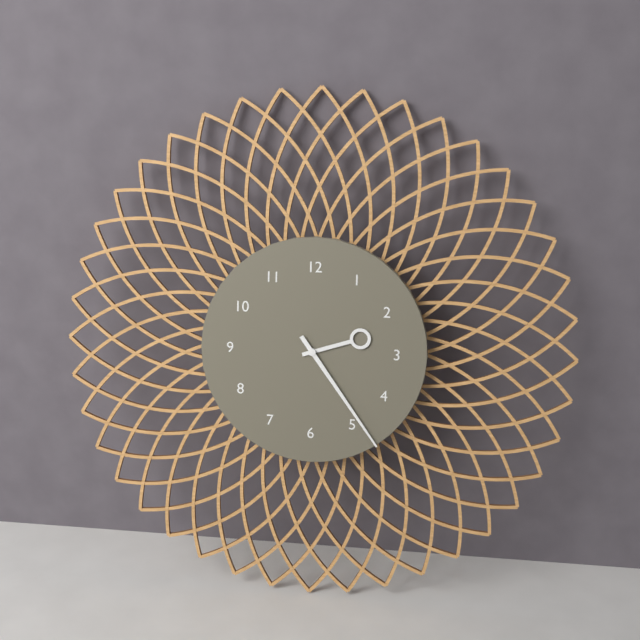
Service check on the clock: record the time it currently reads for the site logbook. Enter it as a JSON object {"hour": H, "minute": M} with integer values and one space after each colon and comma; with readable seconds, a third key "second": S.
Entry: {"hour": 2, "minute": 24}
